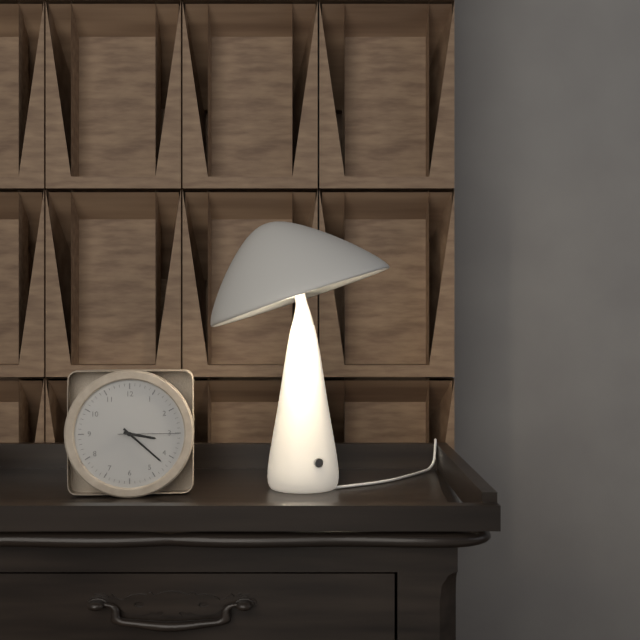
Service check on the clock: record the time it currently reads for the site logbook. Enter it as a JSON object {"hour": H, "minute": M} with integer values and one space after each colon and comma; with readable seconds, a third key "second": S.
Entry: {"hour": 3, "minute": 22, "second": 15}
